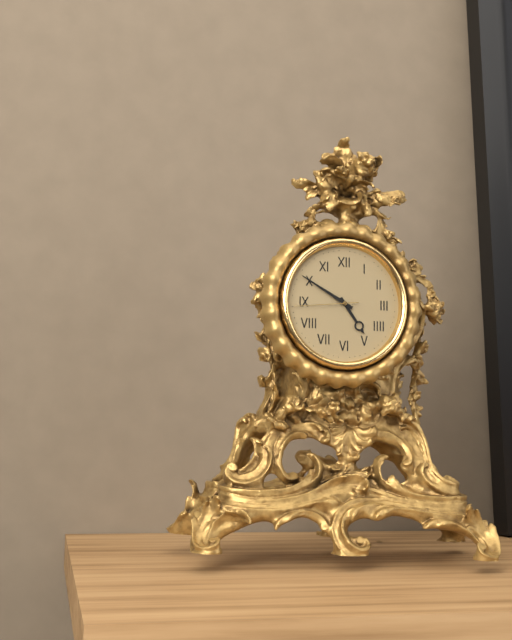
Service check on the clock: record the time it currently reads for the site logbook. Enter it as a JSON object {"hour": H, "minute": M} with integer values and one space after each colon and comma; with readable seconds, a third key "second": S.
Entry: {"hour": 4, "minute": 50, "second": 44}
